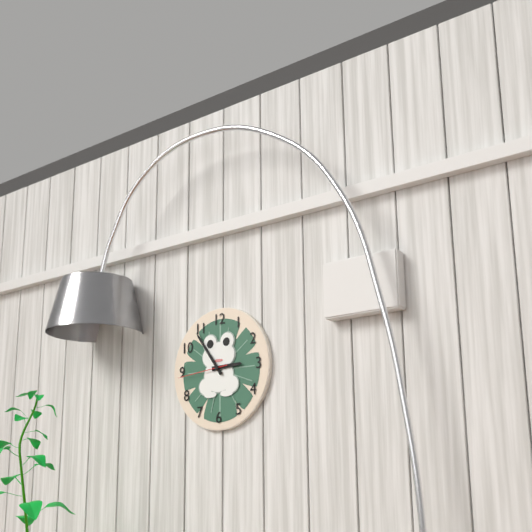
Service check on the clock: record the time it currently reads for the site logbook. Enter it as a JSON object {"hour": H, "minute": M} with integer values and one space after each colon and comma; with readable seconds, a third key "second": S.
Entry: {"hour": 2, "minute": 54, "second": 44}
